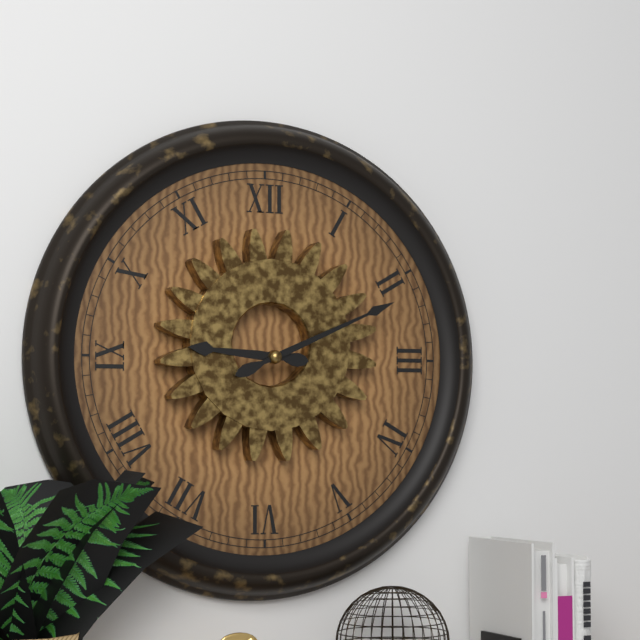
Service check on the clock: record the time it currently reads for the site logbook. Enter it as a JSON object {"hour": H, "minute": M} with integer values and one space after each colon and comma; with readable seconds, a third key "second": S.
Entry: {"hour": 9, "minute": 11}
